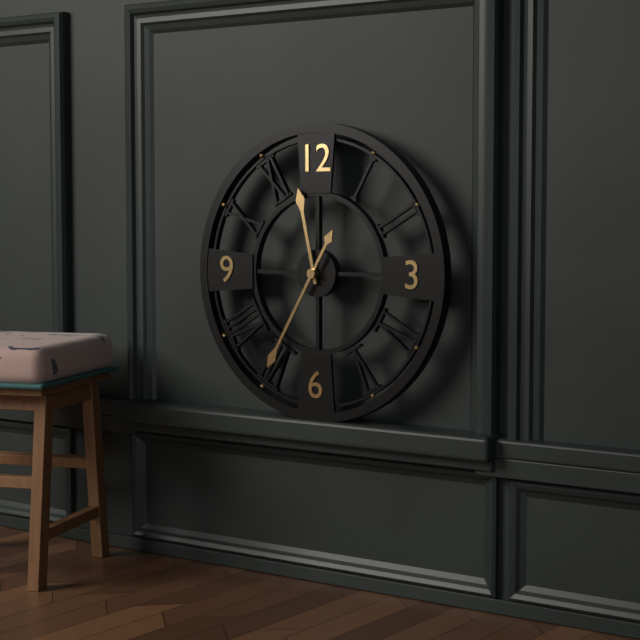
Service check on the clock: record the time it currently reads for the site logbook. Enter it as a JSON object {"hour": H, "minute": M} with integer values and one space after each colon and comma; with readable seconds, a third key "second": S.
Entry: {"hour": 11, "minute": 35}
